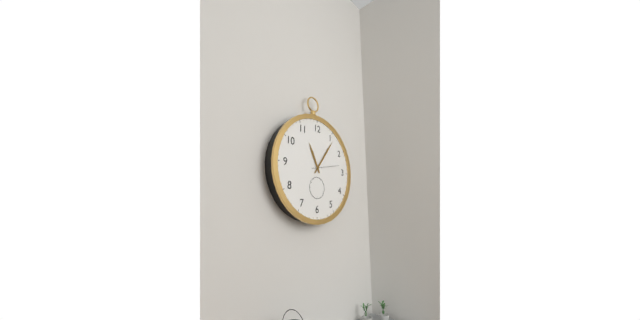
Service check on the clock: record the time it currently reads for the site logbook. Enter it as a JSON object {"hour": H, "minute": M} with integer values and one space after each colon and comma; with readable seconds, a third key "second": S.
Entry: {"hour": 11, "minute": 6}
